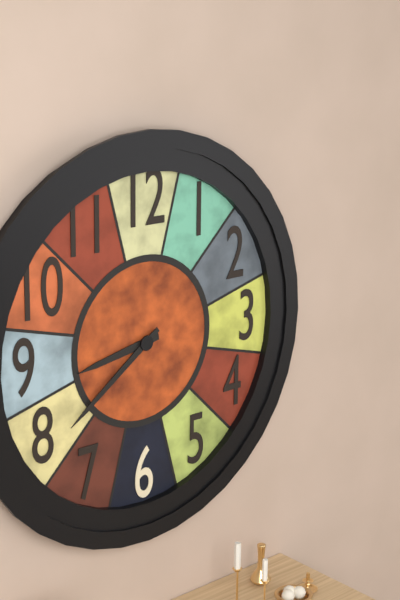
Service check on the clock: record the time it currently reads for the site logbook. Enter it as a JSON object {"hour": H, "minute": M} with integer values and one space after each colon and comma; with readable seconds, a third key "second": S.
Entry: {"hour": 8, "minute": 39}
